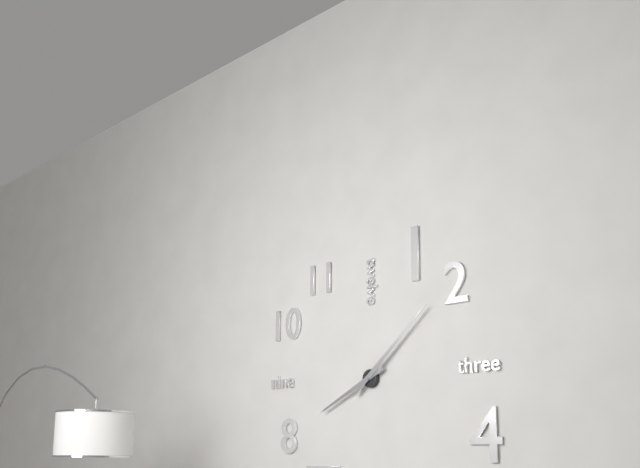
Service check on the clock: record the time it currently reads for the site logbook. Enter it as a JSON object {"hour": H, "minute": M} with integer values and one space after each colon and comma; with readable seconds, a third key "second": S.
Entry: {"hour": 8, "minute": 8}
